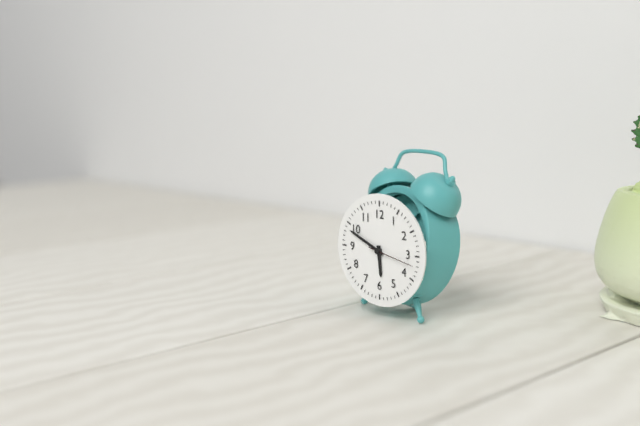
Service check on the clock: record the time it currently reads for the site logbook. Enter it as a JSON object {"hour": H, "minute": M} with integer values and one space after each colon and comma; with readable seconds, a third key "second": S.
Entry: {"hour": 5, "minute": 49}
